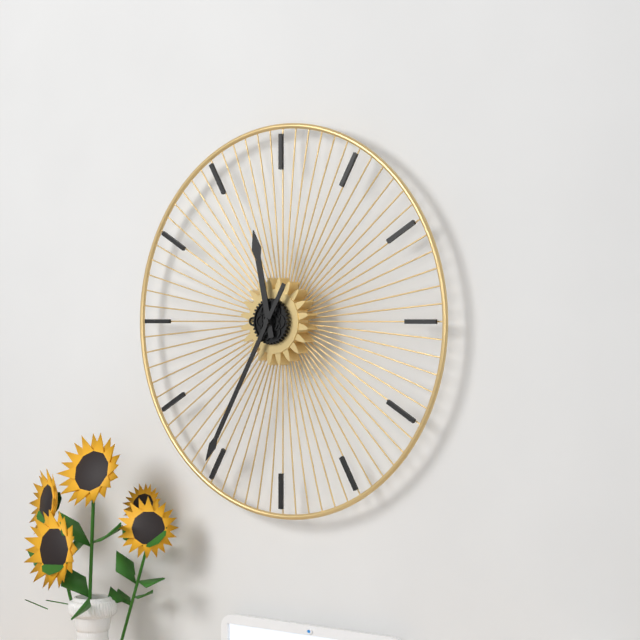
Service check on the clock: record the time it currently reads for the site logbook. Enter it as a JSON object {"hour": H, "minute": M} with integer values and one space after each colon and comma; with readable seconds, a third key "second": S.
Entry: {"hour": 11, "minute": 35}
